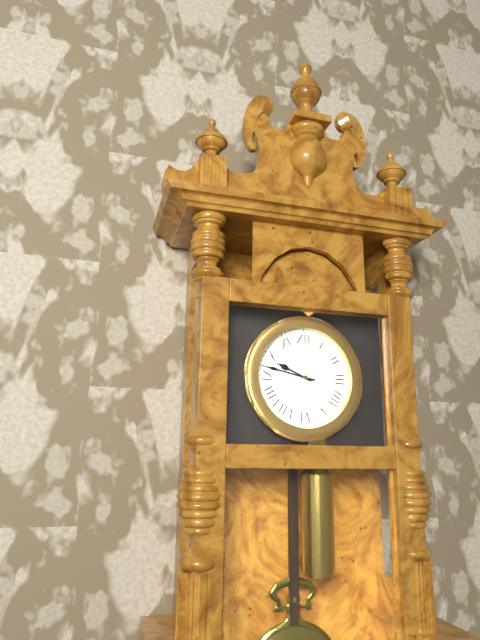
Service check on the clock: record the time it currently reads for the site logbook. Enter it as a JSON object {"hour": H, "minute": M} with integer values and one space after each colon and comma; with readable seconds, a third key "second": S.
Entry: {"hour": 9, "minute": 47}
